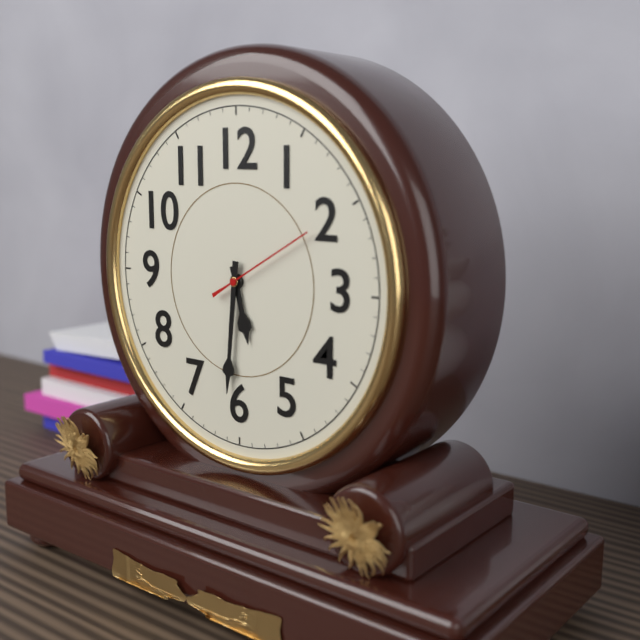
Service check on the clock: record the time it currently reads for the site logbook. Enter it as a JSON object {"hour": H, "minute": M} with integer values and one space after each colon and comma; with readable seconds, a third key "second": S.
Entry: {"hour": 5, "minute": 31, "second": 10}
